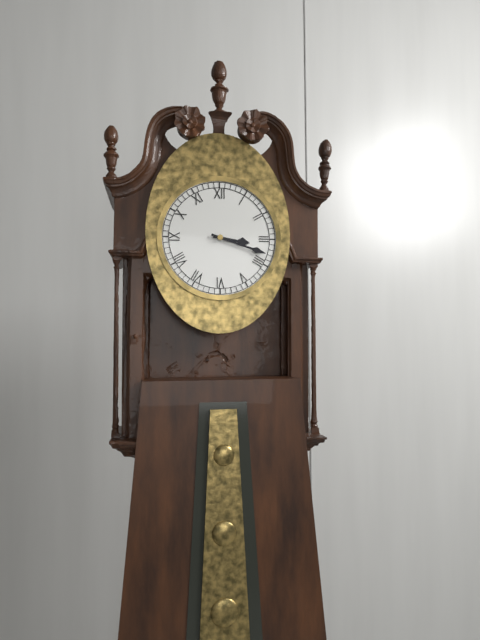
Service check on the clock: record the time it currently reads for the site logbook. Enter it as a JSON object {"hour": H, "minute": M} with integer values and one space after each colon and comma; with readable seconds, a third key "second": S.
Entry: {"hour": 3, "minute": 18}
